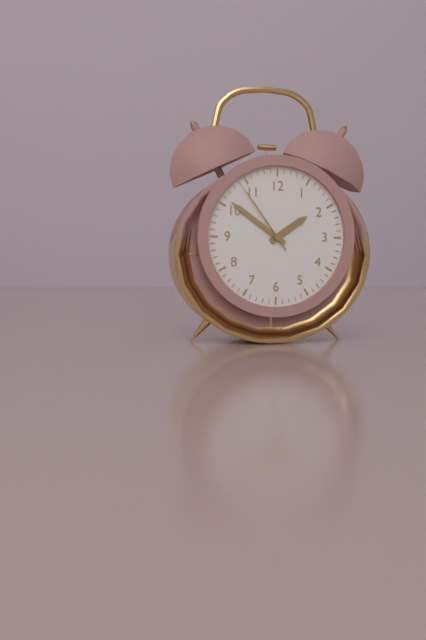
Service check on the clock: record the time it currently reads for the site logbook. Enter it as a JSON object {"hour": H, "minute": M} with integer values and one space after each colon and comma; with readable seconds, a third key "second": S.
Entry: {"hour": 1, "minute": 51, "second": 54}
